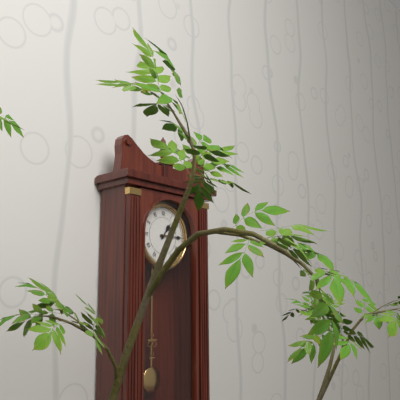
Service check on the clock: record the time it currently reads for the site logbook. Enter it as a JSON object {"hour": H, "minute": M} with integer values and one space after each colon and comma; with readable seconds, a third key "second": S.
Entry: {"hour": 1, "minute": 15}
